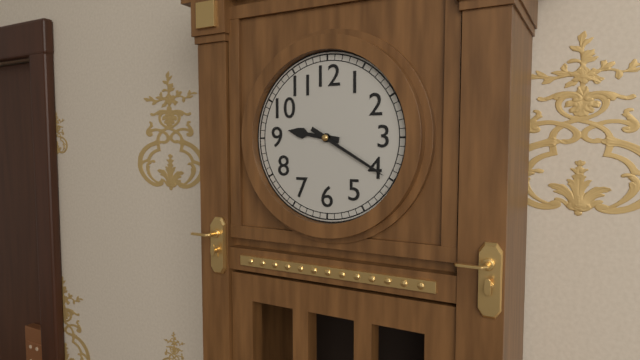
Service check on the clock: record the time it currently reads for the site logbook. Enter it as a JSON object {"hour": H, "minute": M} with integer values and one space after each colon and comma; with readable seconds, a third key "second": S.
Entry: {"hour": 9, "minute": 20}
